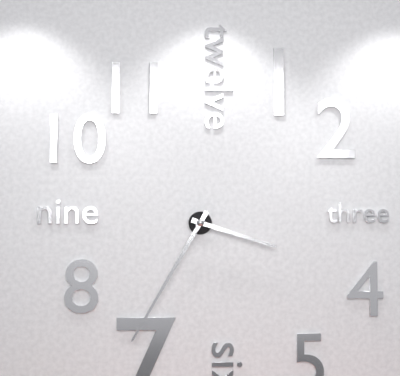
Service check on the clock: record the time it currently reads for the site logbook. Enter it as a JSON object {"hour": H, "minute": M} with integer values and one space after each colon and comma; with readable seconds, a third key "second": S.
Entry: {"hour": 3, "minute": 35}
